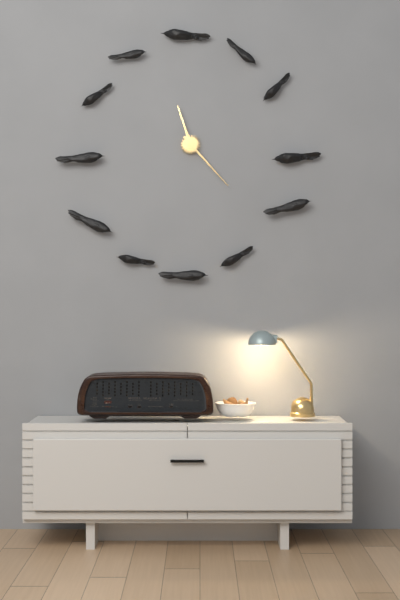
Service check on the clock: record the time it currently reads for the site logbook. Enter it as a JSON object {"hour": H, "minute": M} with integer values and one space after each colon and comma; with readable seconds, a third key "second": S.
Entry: {"hour": 11, "minute": 23}
